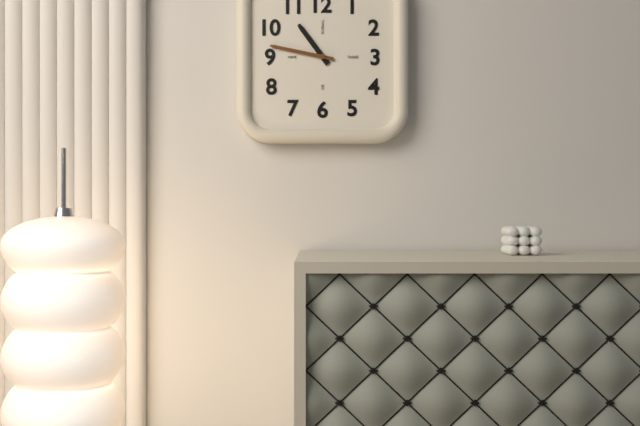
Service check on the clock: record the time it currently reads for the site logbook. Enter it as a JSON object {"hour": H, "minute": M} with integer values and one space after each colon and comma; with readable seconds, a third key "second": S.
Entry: {"hour": 10, "minute": 47}
